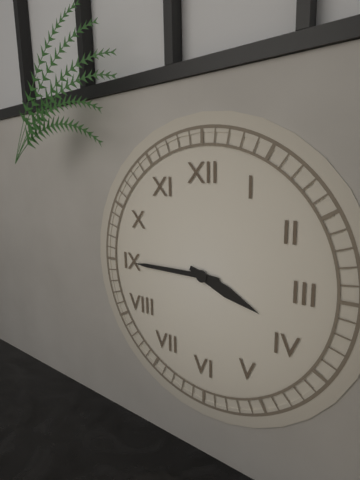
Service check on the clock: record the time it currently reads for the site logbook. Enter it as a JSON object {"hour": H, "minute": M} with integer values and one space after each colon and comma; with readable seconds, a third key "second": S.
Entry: {"hour": 3, "minute": 45}
